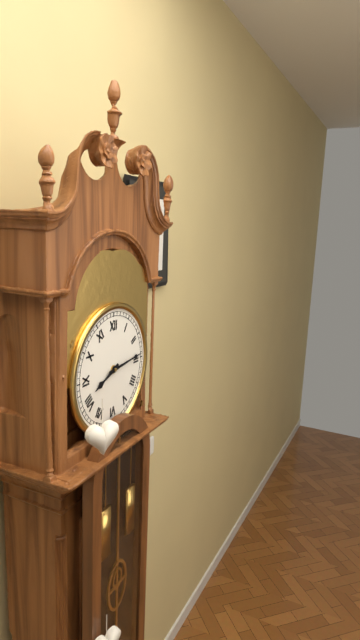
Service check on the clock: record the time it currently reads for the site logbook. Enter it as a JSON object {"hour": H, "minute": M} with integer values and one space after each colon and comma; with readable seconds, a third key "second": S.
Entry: {"hour": 8, "minute": 14}
